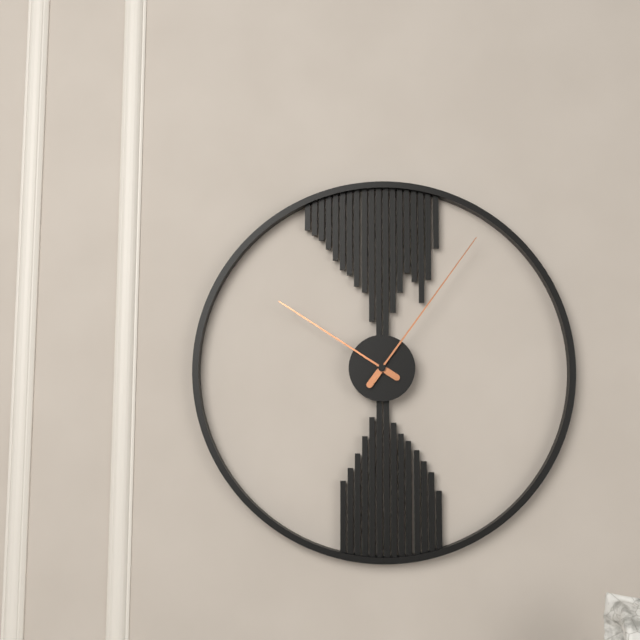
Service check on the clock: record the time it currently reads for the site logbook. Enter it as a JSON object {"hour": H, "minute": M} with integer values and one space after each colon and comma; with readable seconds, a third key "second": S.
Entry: {"hour": 10, "minute": 6}
